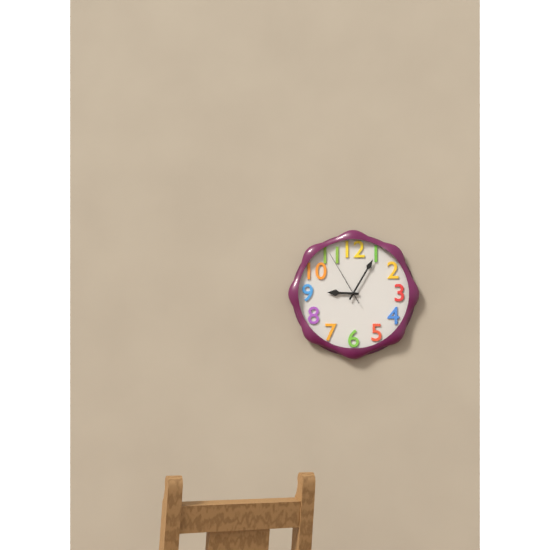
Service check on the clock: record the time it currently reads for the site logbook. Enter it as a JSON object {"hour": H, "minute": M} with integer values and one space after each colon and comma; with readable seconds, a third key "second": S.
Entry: {"hour": 9, "minute": 5, "second": 55}
